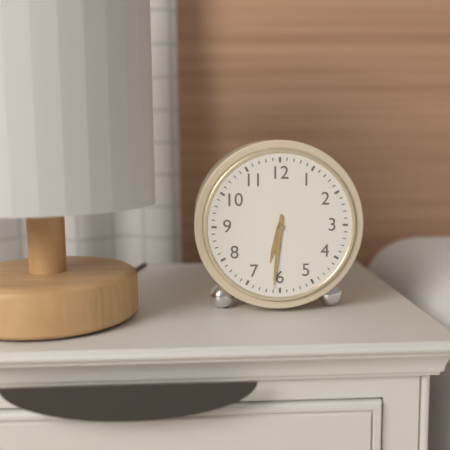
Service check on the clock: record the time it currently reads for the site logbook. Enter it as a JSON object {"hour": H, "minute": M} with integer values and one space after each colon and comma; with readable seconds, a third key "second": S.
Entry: {"hour": 6, "minute": 31}
